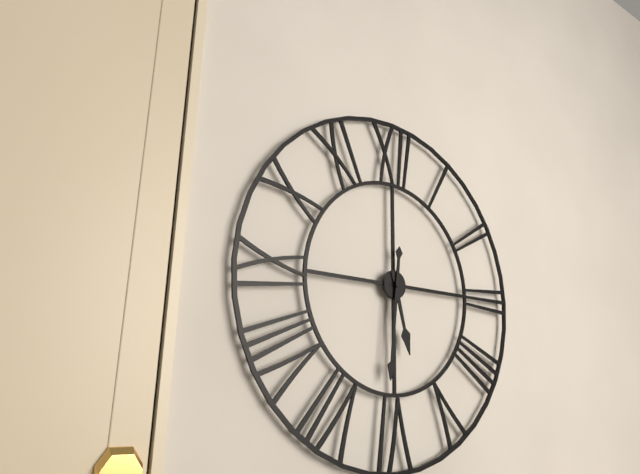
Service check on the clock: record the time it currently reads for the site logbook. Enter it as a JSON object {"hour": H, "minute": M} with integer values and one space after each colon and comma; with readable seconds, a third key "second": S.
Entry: {"hour": 5, "minute": 31}
